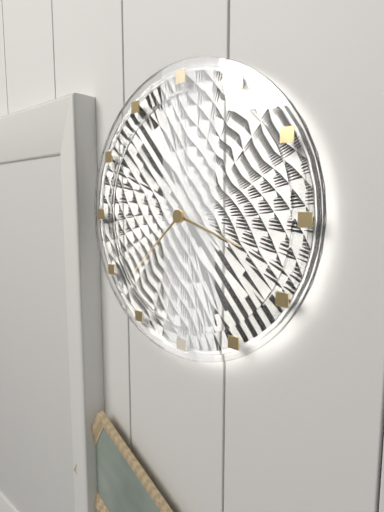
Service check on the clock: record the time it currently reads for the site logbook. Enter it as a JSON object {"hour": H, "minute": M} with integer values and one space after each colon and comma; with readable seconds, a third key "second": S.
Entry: {"hour": 3, "minute": 38}
